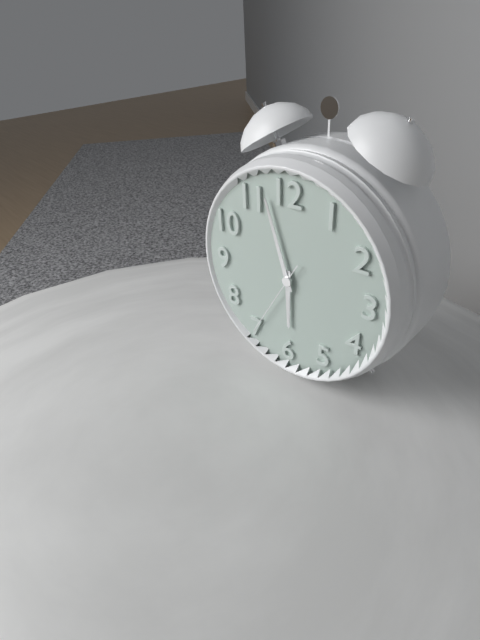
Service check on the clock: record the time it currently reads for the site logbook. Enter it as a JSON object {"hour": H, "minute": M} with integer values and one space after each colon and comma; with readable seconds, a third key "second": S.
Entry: {"hour": 5, "minute": 57, "second": 35}
